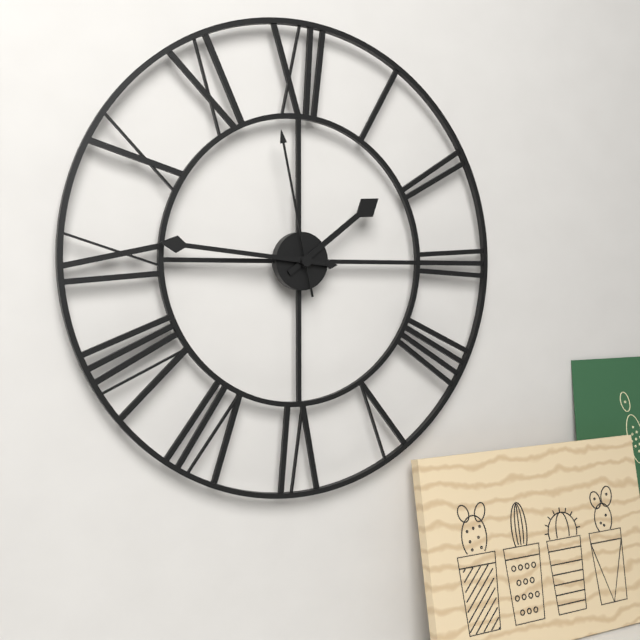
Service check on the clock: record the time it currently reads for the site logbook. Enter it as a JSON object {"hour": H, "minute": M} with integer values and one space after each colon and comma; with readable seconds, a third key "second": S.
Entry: {"hour": 1, "minute": 46, "second": 58}
